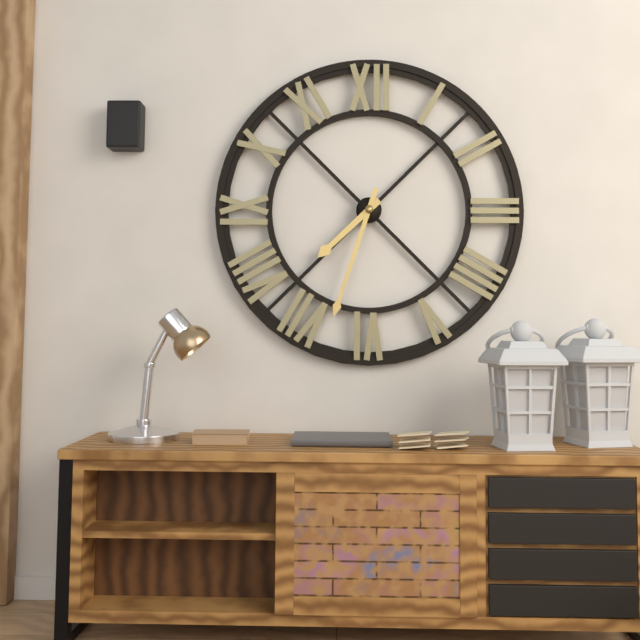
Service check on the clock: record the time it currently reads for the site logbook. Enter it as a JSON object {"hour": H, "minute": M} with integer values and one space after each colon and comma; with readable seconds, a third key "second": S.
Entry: {"hour": 7, "minute": 33}
